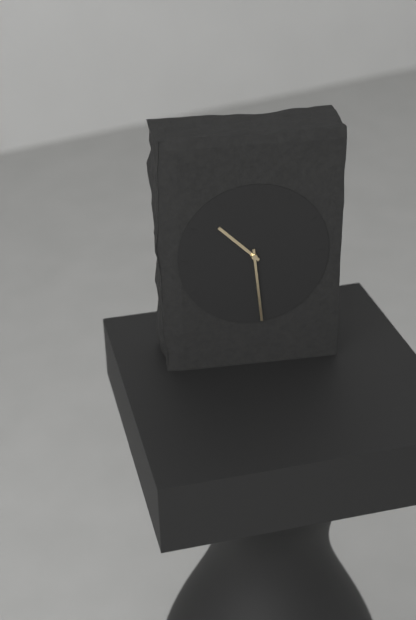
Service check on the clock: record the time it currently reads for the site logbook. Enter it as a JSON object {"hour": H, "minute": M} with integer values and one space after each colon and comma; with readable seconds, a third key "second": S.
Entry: {"hour": 10, "minute": 29}
